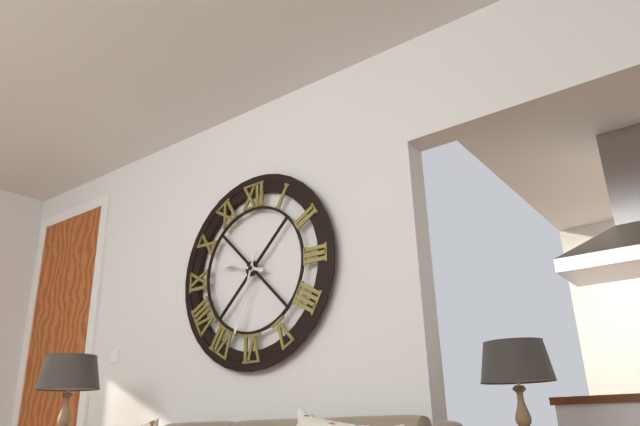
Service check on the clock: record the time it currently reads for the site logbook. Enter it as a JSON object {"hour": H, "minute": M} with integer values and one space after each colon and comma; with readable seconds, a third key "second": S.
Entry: {"hour": 9, "minute": 33}
